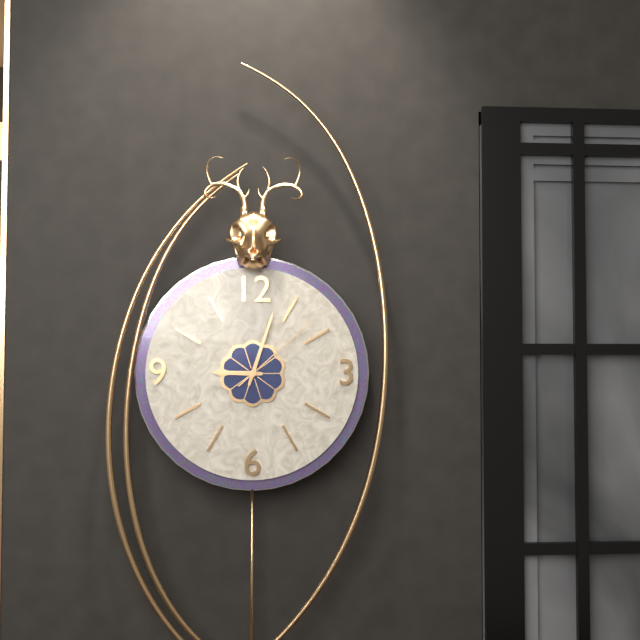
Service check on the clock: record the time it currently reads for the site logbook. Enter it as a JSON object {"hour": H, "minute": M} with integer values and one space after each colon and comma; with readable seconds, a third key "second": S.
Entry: {"hour": 9, "minute": 3, "second": 8}
